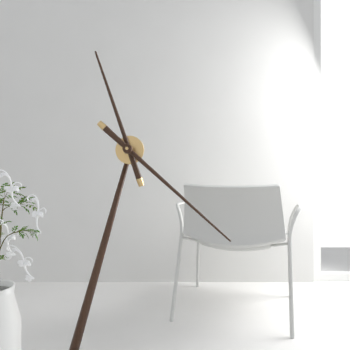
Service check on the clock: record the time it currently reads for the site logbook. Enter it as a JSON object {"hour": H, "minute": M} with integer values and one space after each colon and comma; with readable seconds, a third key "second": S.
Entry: {"hour": 11, "minute": 22}
